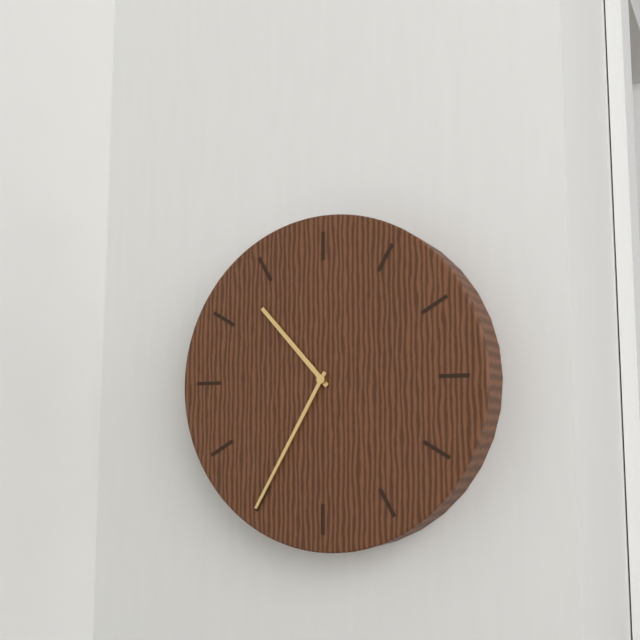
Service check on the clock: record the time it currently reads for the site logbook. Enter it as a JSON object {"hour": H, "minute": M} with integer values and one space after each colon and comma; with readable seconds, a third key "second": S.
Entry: {"hour": 10, "minute": 35}
